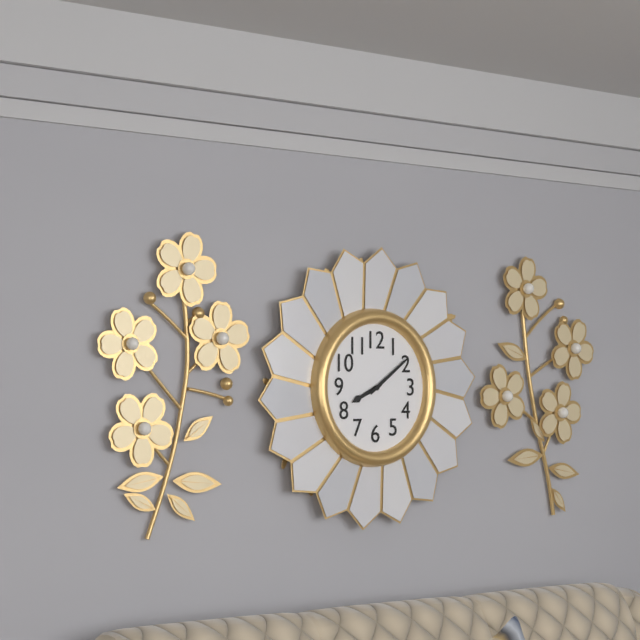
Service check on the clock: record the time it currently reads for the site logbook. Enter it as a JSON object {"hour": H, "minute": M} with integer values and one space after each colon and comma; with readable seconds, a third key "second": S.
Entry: {"hour": 8, "minute": 9}
